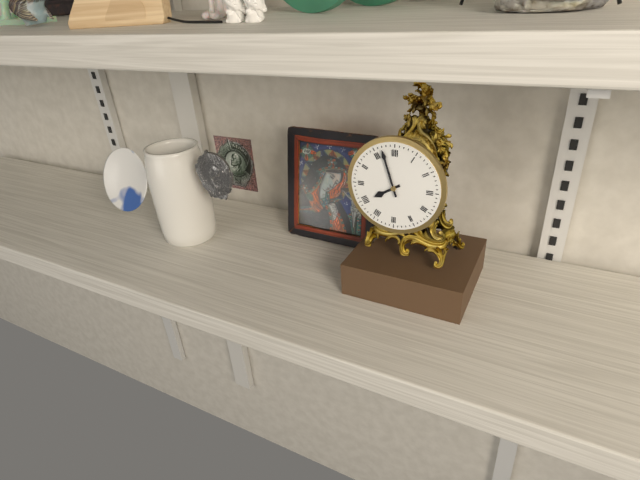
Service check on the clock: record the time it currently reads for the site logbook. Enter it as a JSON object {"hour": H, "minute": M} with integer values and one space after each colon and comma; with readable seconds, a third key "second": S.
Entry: {"hour": 7, "minute": 57}
